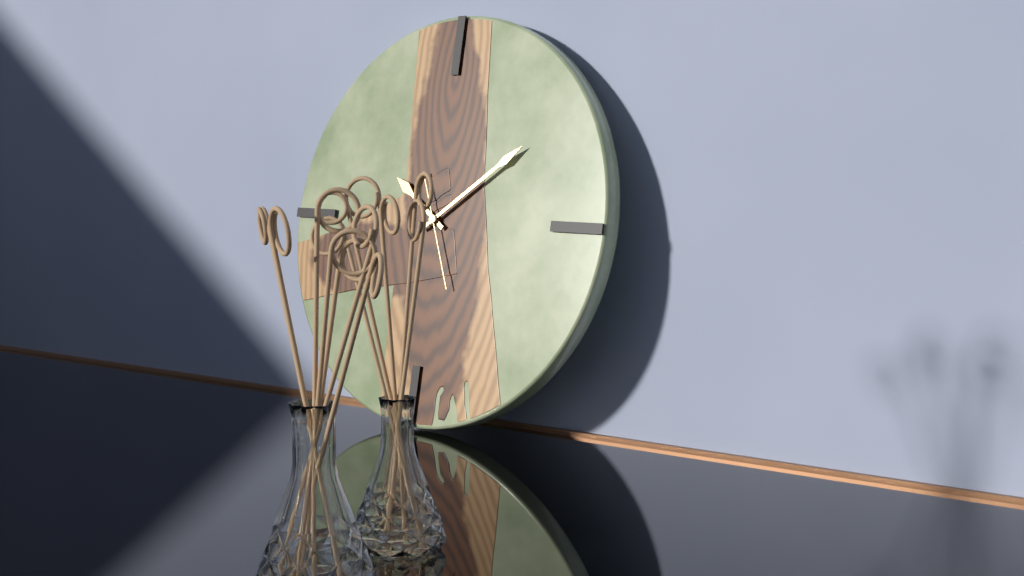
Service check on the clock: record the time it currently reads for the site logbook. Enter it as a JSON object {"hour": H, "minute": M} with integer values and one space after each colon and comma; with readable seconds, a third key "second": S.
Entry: {"hour": 10, "minute": 9, "second": 26}
